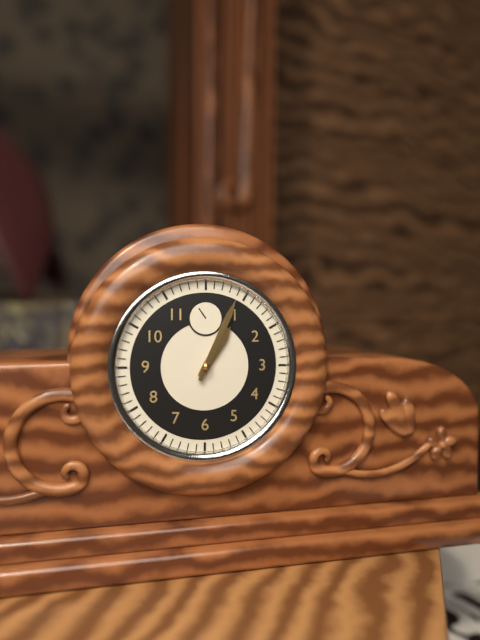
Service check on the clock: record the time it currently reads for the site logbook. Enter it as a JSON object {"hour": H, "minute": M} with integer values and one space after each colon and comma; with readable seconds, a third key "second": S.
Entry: {"hour": 1, "minute": 4}
